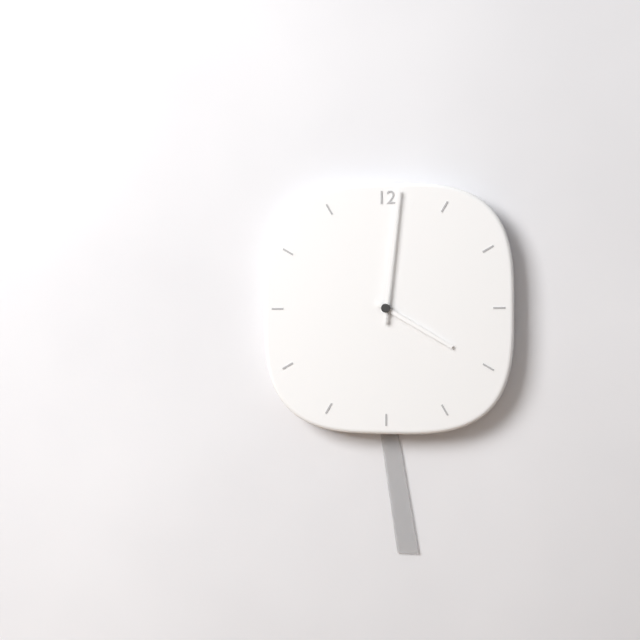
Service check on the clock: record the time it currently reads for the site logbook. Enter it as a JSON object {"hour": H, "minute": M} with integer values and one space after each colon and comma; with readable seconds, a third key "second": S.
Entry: {"hour": 4, "minute": 1}
